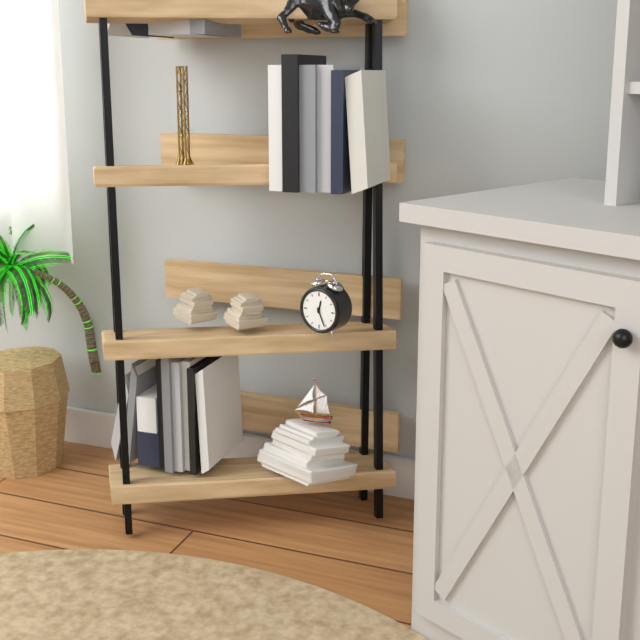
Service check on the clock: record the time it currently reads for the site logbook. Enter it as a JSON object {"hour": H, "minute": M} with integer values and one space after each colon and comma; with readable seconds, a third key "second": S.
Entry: {"hour": 12, "minute": 26}
